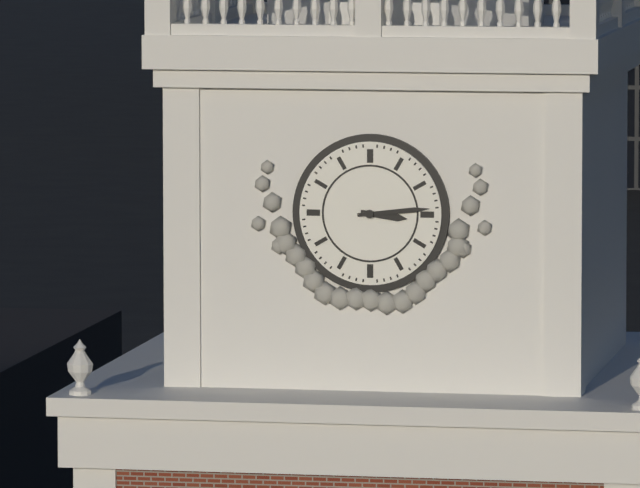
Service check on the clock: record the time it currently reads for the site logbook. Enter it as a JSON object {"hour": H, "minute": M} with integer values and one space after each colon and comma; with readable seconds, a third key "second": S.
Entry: {"hour": 3, "minute": 14}
